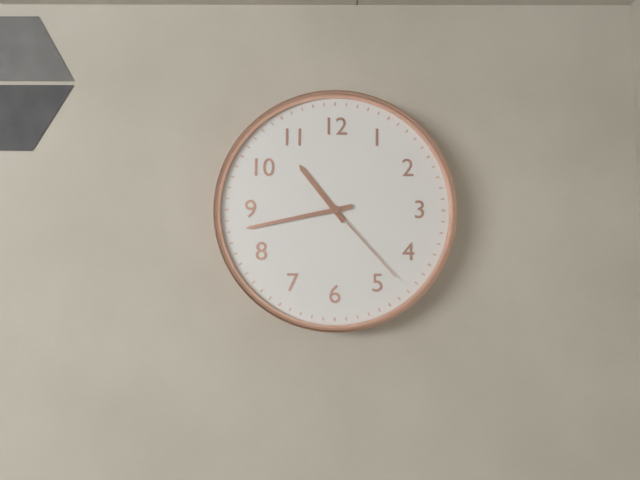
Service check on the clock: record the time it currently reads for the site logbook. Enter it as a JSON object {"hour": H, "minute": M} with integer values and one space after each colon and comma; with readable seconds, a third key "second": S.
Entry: {"hour": 10, "minute": 43, "second": 23}
